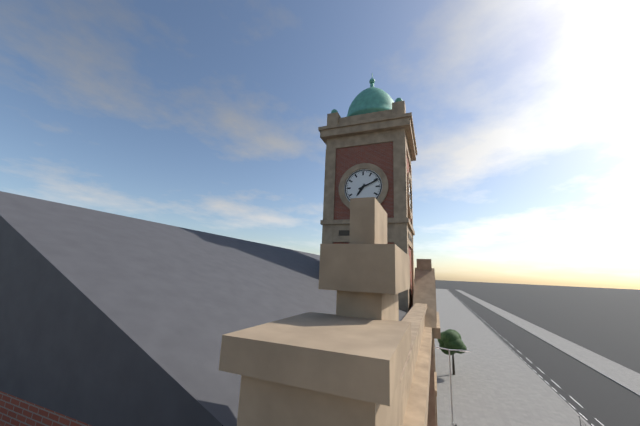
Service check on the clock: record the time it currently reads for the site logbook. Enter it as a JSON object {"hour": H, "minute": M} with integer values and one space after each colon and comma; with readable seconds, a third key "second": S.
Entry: {"hour": 7, "minute": 11}
